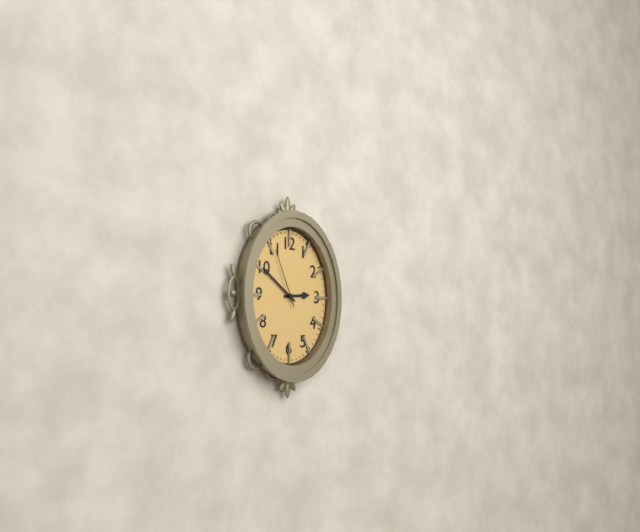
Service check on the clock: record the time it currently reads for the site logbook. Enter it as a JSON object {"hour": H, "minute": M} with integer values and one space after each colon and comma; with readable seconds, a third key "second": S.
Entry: {"hour": 2, "minute": 51, "second": 56}
